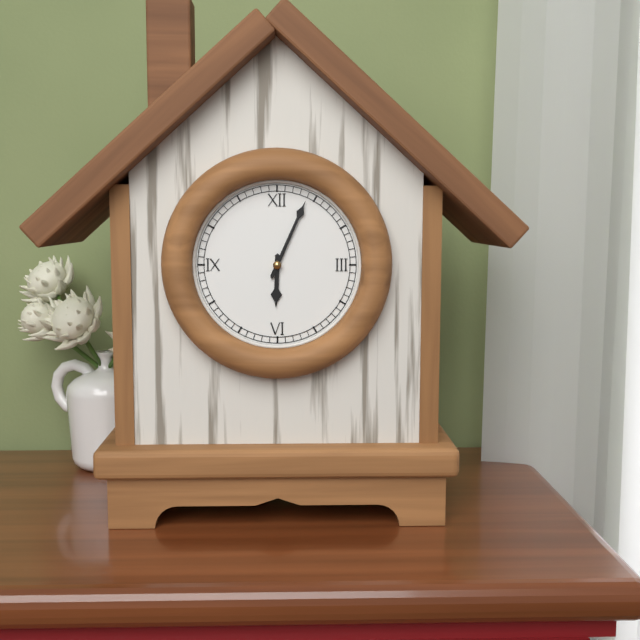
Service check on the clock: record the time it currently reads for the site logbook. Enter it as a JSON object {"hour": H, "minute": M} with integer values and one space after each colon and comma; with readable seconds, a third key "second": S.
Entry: {"hour": 6, "minute": 4}
